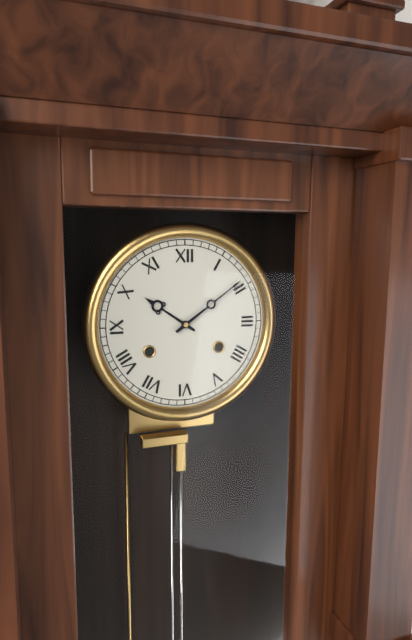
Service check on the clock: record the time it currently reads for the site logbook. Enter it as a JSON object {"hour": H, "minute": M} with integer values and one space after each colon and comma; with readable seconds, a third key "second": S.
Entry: {"hour": 10, "minute": 9}
